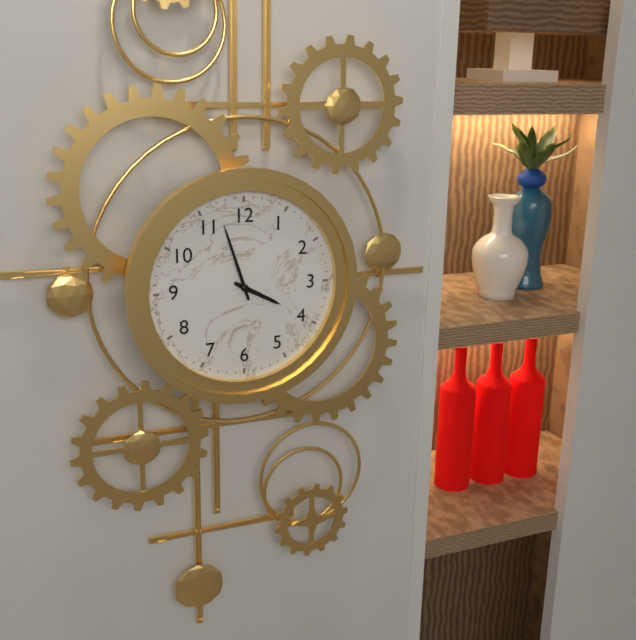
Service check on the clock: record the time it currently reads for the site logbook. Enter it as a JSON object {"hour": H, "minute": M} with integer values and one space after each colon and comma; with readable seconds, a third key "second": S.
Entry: {"hour": 3, "minute": 57}
